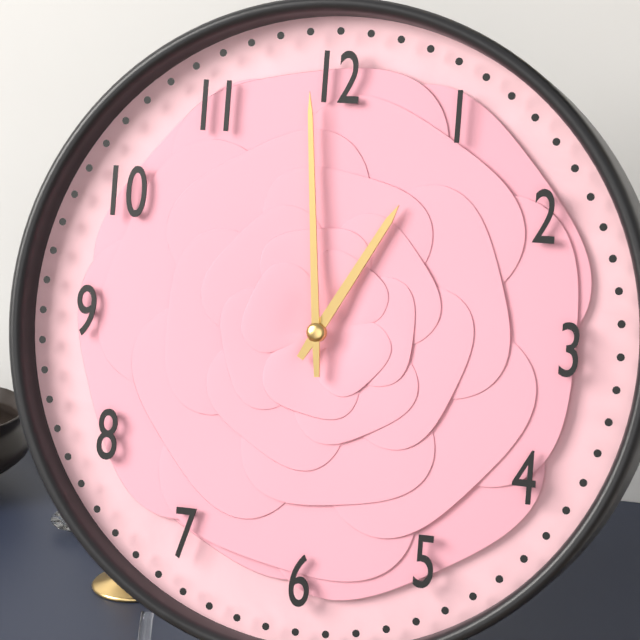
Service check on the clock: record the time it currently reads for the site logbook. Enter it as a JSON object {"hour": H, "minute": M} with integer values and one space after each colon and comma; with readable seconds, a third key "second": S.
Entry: {"hour": 12, "minute": 59}
